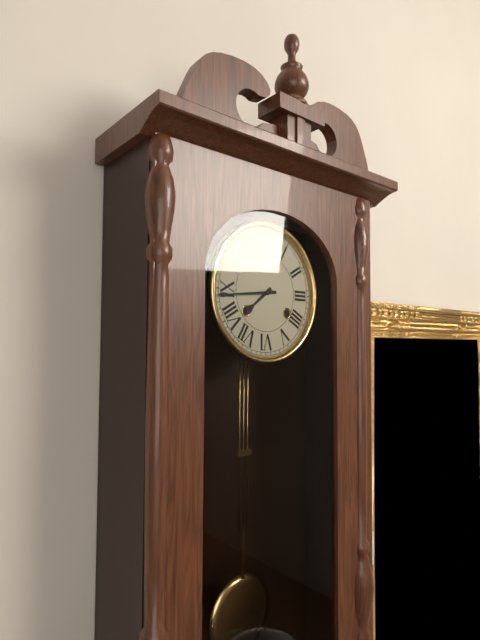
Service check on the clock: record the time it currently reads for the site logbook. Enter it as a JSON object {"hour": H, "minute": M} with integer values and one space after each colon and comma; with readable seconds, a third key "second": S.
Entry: {"hour": 7, "minute": 44}
